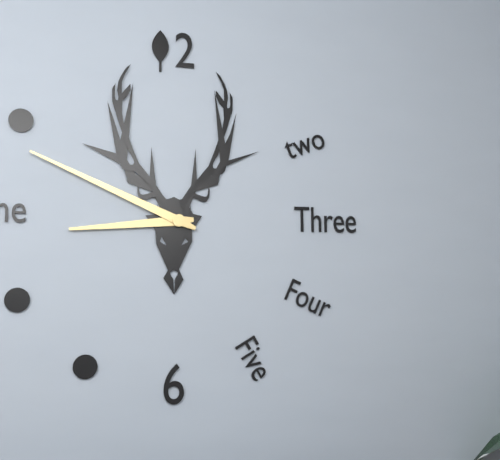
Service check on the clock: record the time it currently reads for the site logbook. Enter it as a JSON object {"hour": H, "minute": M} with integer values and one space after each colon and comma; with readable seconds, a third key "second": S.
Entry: {"hour": 8, "minute": 49}
